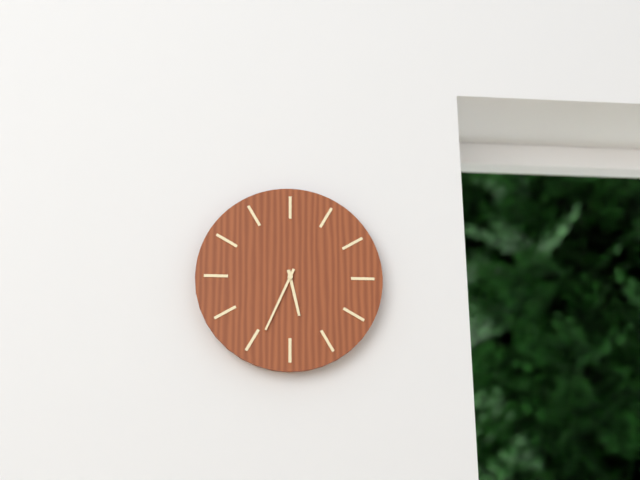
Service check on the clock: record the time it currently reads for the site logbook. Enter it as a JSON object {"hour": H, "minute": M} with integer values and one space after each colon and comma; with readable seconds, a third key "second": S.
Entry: {"hour": 5, "minute": 34}
